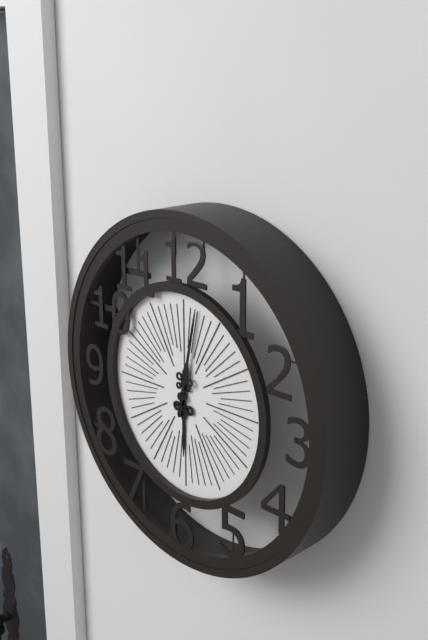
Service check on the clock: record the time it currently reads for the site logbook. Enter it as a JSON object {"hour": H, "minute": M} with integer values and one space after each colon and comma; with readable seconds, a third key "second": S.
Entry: {"hour": 6, "minute": 2}
